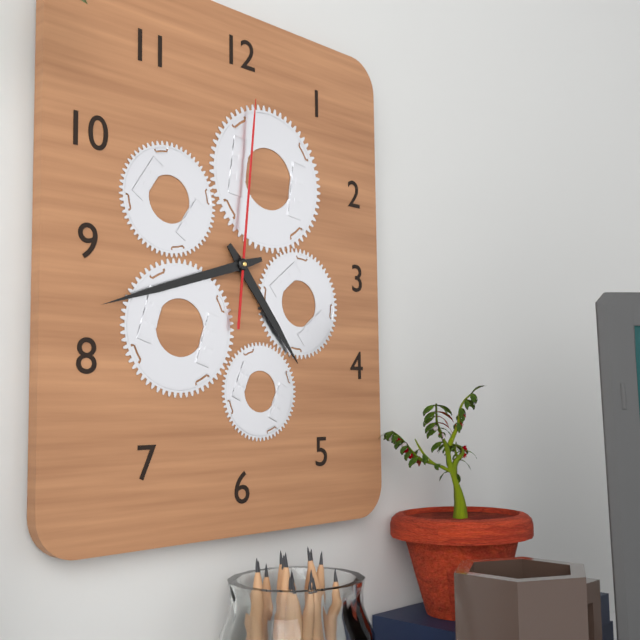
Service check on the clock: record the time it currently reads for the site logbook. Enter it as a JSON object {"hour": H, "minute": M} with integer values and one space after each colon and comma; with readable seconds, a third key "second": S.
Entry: {"hour": 4, "minute": 42, "second": 1}
